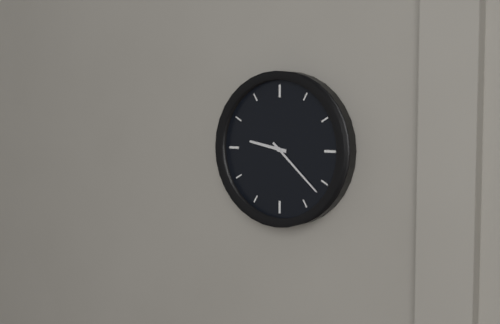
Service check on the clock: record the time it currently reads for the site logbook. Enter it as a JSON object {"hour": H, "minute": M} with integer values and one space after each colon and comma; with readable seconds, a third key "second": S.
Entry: {"hour": 9, "minute": 22}
